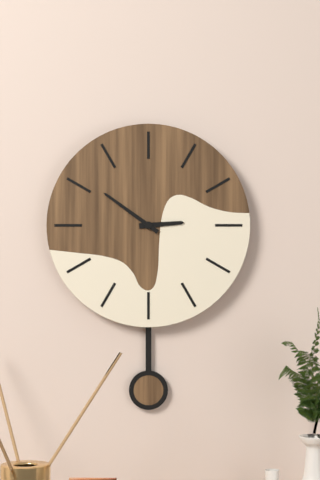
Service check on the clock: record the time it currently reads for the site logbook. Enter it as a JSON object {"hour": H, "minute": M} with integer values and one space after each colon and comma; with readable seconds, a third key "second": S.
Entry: {"hour": 2, "minute": 51}
